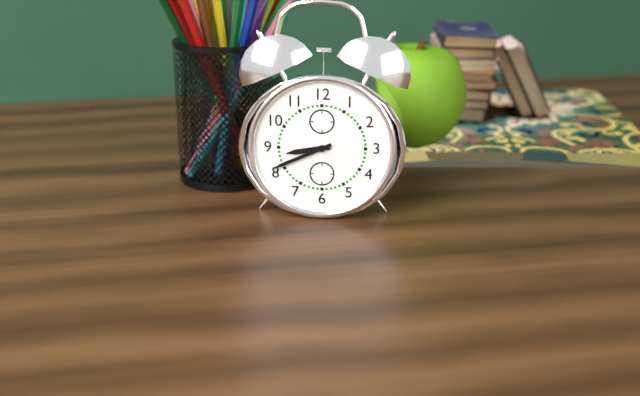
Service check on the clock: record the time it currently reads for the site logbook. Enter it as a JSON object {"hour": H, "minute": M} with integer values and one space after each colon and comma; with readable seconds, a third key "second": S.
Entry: {"hour": 8, "minute": 41}
